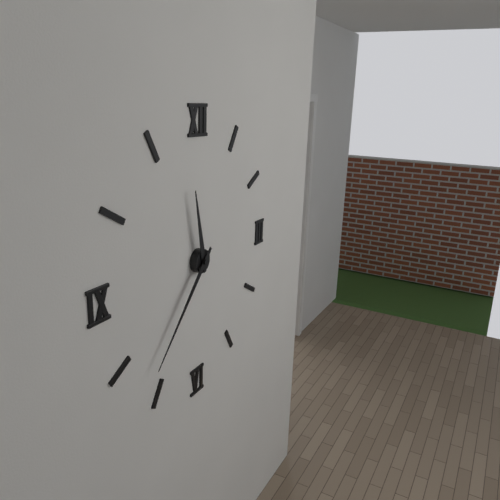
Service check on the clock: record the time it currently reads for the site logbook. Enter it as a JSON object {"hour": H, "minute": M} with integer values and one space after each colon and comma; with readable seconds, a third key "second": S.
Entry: {"hour": 11, "minute": 37}
